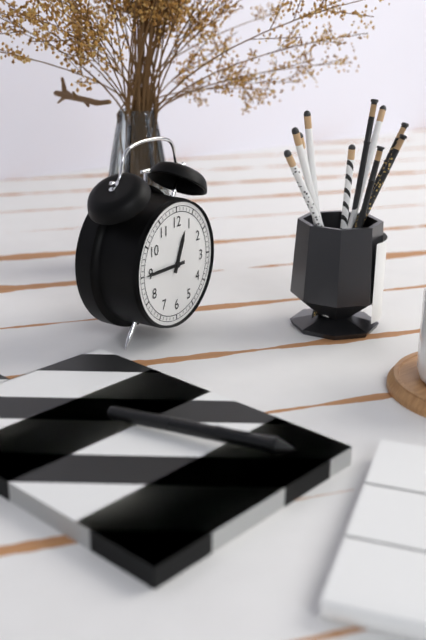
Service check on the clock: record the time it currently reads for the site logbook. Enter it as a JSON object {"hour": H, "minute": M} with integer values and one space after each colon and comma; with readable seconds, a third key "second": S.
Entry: {"hour": 12, "minute": 45}
